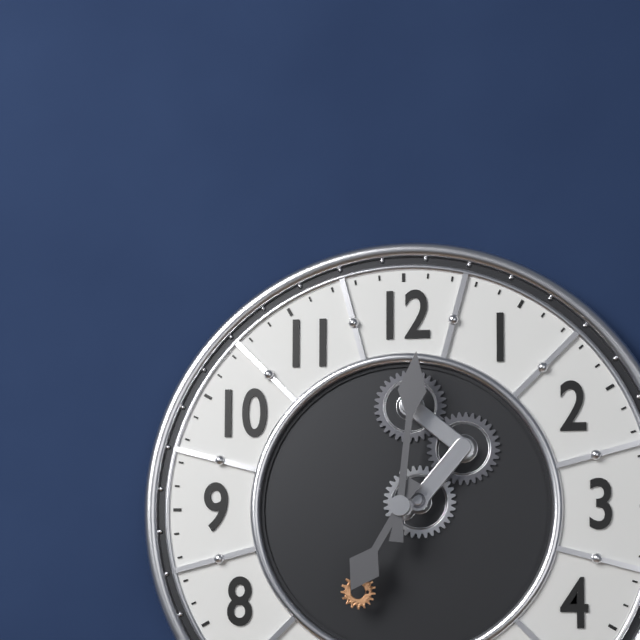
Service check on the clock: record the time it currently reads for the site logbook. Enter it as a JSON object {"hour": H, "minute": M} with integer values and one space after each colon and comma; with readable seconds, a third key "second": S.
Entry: {"hour": 7, "minute": 1}
